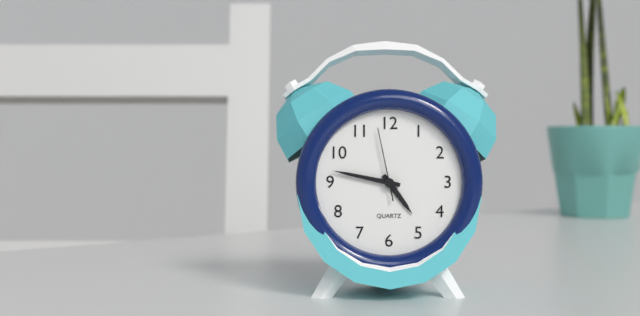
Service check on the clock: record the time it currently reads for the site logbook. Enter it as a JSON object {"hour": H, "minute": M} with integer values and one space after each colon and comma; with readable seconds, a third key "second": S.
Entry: {"hour": 4, "minute": 47, "second": 58}
